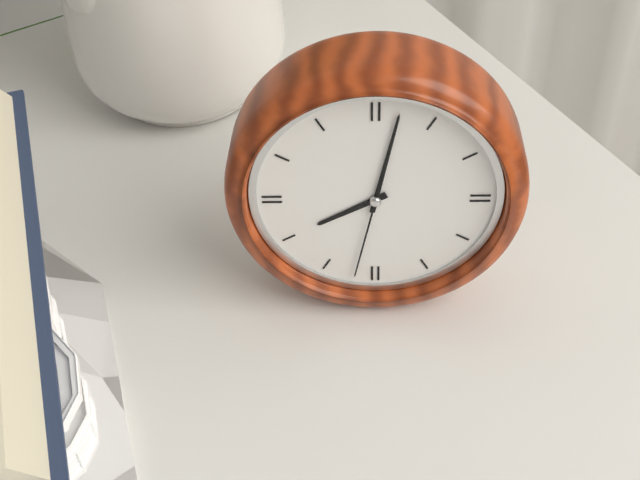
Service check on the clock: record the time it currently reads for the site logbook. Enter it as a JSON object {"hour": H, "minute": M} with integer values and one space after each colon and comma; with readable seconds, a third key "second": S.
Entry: {"hour": 8, "minute": 2, "second": 32}
